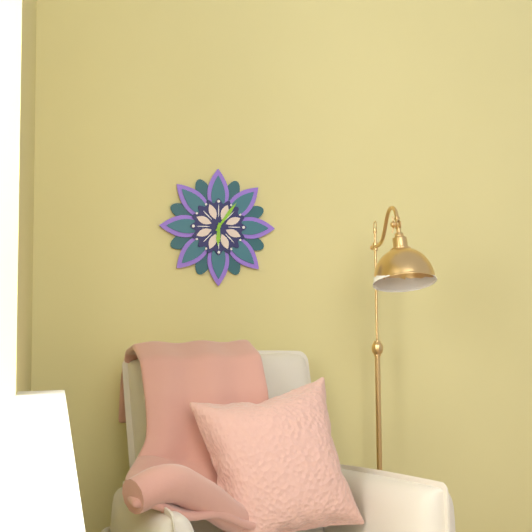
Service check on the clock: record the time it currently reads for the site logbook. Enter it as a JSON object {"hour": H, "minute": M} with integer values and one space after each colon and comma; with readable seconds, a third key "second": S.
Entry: {"hour": 6, "minute": 6}
